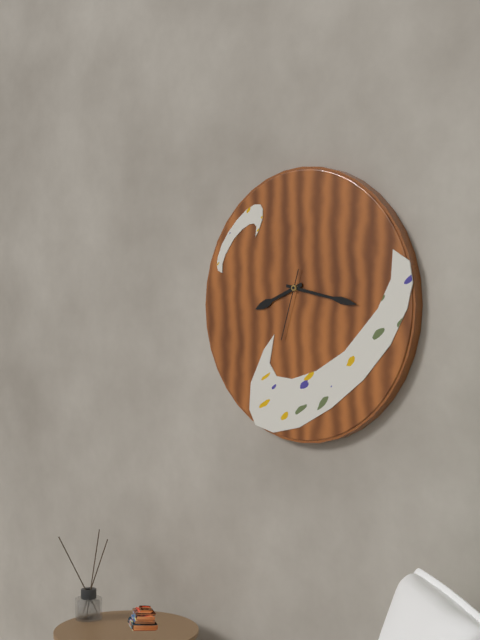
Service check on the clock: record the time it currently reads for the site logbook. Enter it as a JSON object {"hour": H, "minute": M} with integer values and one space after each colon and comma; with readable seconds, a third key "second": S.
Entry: {"hour": 8, "minute": 17, "second": 33}
